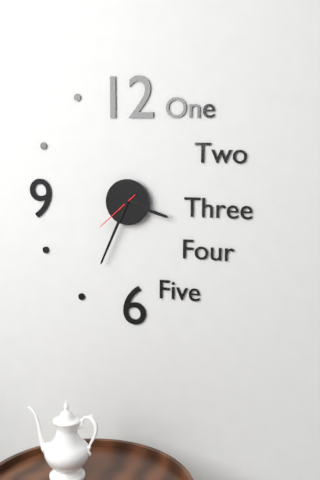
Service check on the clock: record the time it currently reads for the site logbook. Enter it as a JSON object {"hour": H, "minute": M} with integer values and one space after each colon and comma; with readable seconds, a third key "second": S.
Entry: {"hour": 3, "minute": 34}
